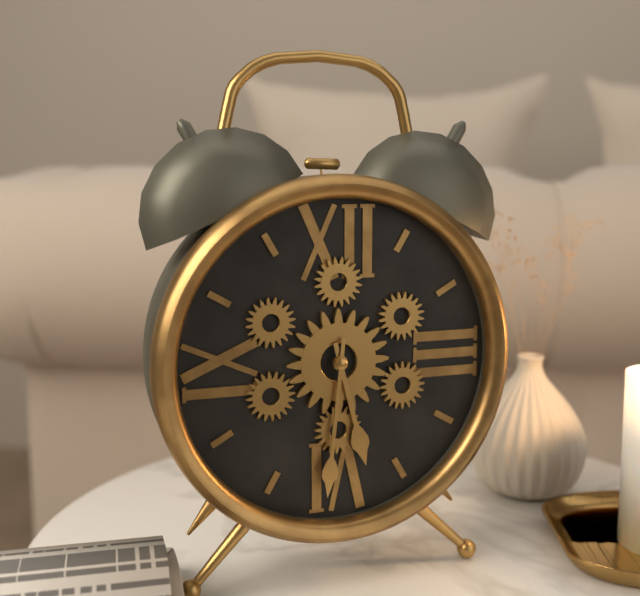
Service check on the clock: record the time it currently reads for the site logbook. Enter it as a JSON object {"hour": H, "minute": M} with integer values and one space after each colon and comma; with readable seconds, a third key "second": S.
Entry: {"hour": 5, "minute": 31}
